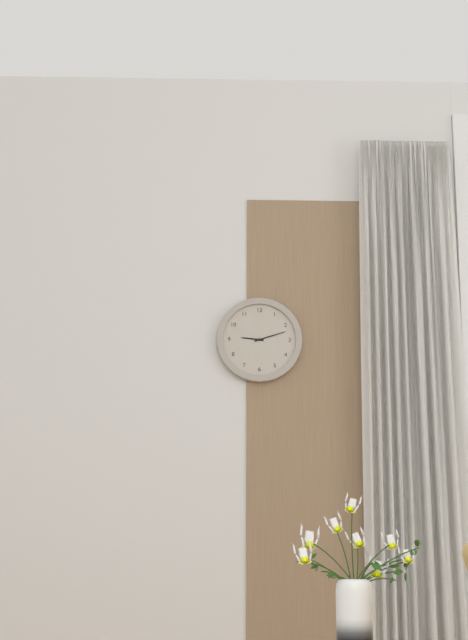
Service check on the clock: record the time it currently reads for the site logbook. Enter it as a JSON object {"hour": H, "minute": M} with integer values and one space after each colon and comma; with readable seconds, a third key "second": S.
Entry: {"hour": 9, "minute": 12}
